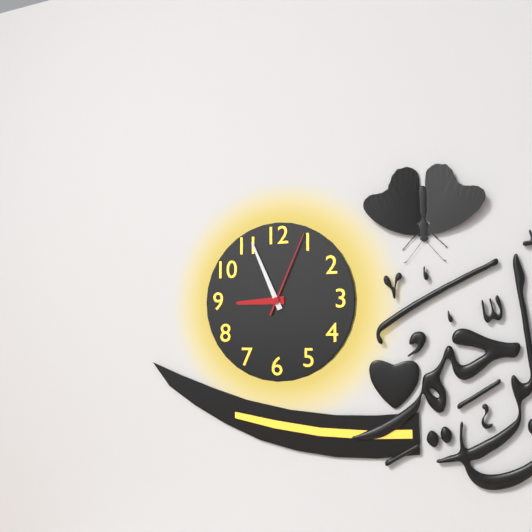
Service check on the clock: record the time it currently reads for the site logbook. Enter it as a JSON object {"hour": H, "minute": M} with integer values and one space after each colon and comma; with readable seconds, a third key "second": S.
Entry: {"hour": 8, "minute": 56, "second": 4}
